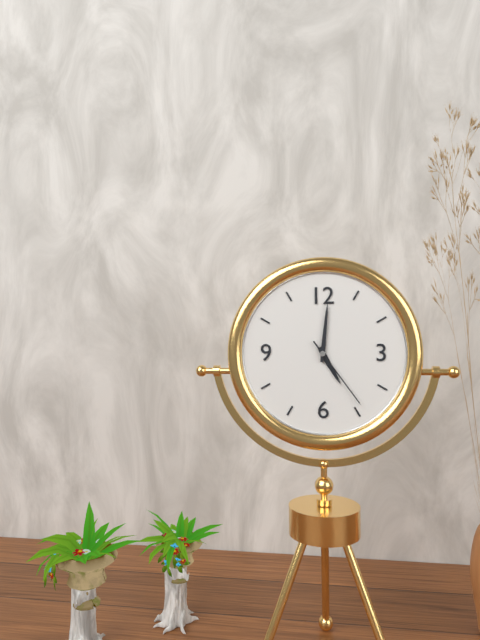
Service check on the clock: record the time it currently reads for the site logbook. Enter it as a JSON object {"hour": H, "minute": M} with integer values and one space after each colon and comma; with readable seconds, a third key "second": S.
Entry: {"hour": 5, "minute": 1, "second": 24}
